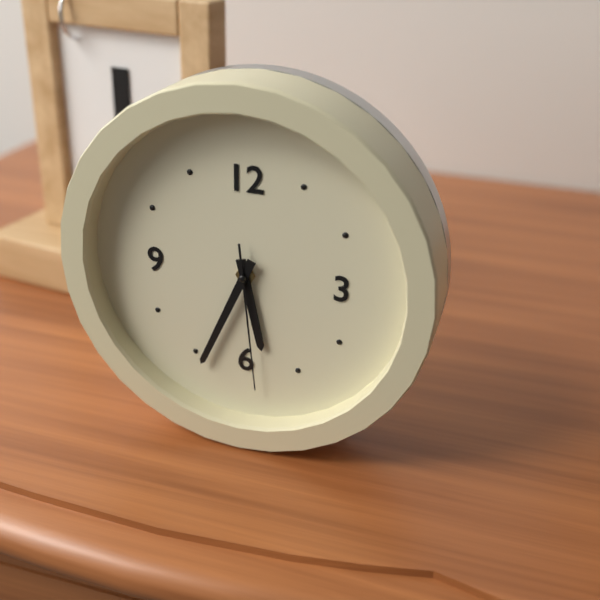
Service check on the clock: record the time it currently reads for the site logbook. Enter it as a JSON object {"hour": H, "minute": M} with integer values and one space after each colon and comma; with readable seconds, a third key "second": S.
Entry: {"hour": 5, "minute": 34, "second": 29}
